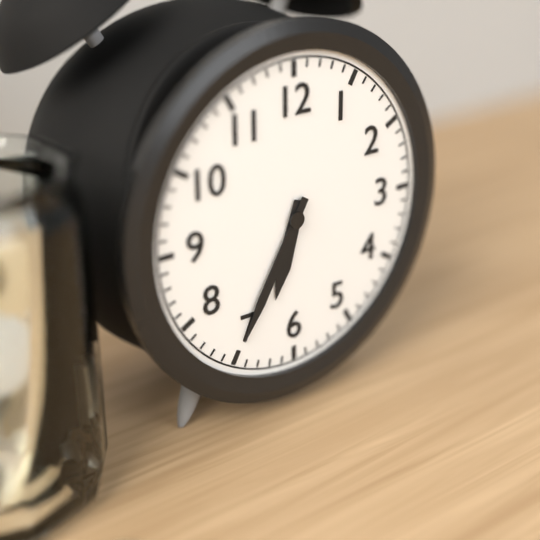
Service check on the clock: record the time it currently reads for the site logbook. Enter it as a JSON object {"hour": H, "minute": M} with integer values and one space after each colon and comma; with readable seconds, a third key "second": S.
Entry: {"hour": 6, "minute": 35}
